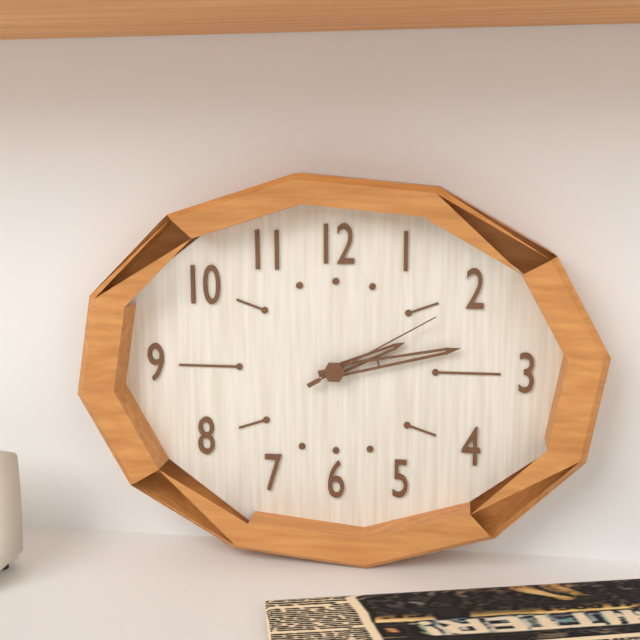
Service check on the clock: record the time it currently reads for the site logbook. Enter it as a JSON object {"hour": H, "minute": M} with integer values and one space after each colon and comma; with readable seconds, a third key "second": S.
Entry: {"hour": 2, "minute": 13, "second": 10}
